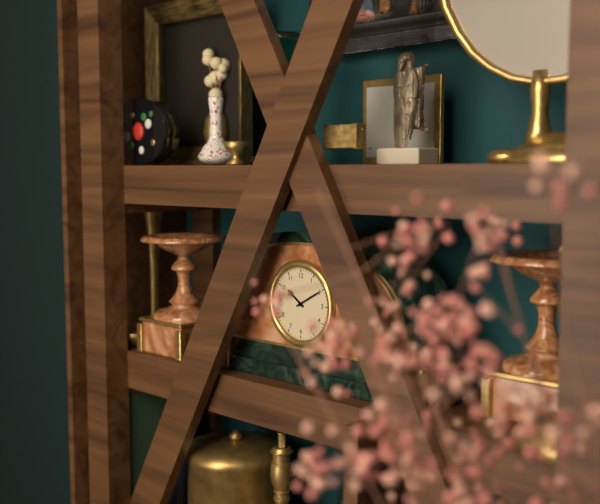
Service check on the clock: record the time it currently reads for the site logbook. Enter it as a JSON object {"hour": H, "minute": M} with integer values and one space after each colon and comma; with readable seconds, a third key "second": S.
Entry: {"hour": 10, "minute": 10}
